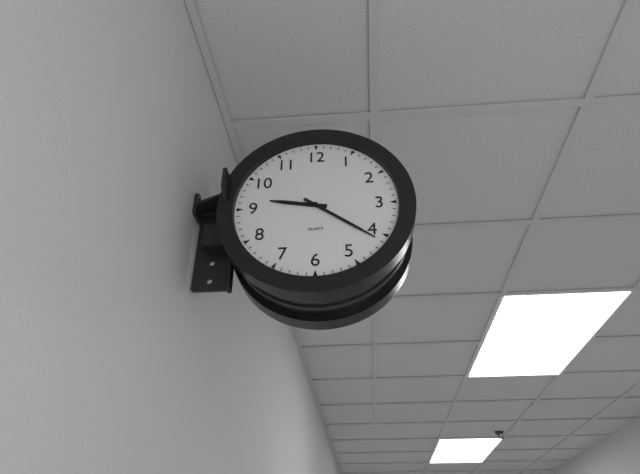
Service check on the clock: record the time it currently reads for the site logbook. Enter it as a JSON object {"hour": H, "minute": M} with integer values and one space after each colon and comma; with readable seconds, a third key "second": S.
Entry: {"hour": 9, "minute": 21}
